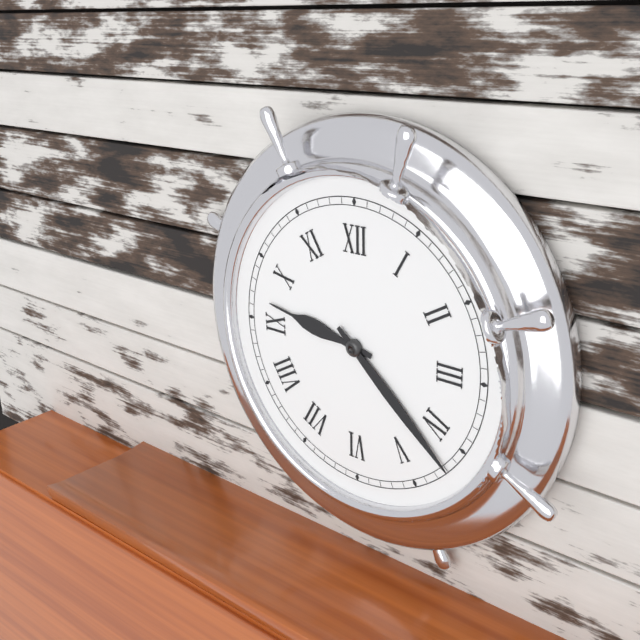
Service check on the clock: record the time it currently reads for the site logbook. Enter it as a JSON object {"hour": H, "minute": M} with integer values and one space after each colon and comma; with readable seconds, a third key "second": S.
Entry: {"hour": 9, "minute": 22}
